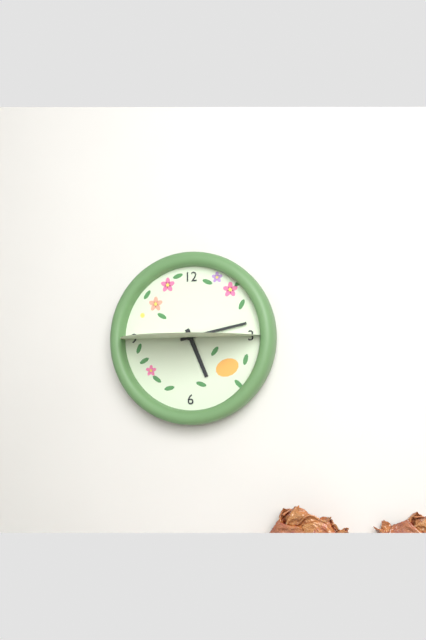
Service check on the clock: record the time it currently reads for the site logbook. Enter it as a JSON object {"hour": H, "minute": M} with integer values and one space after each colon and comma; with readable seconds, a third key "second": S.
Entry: {"hour": 5, "minute": 13}
